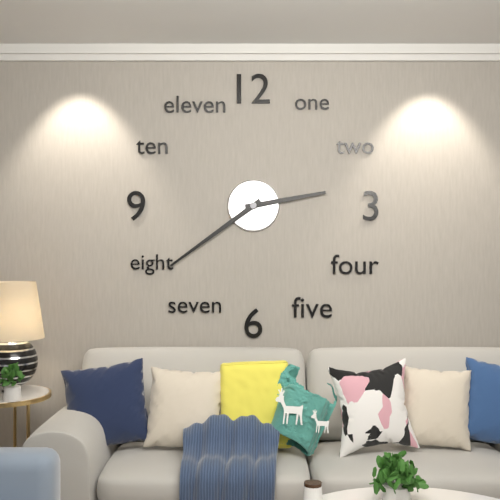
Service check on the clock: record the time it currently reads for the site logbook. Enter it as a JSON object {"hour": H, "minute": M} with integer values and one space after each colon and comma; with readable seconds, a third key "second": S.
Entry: {"hour": 2, "minute": 39}
